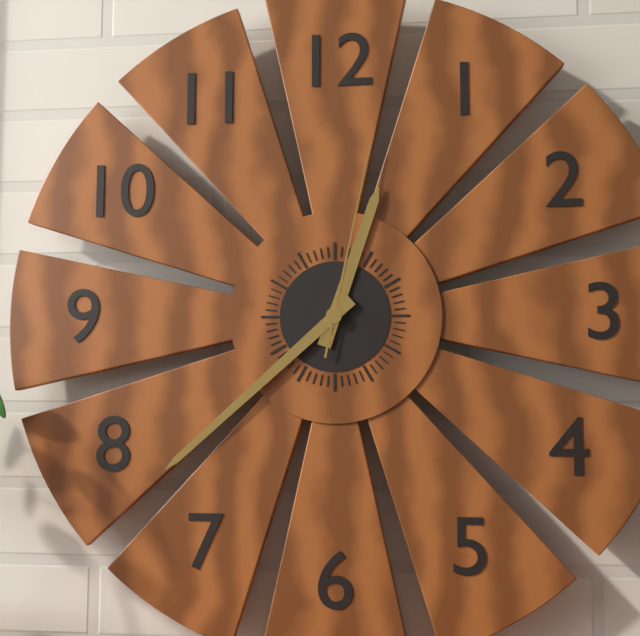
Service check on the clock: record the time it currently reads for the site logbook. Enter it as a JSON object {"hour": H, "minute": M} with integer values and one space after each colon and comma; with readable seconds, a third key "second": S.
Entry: {"hour": 12, "minute": 38, "second": 2}
